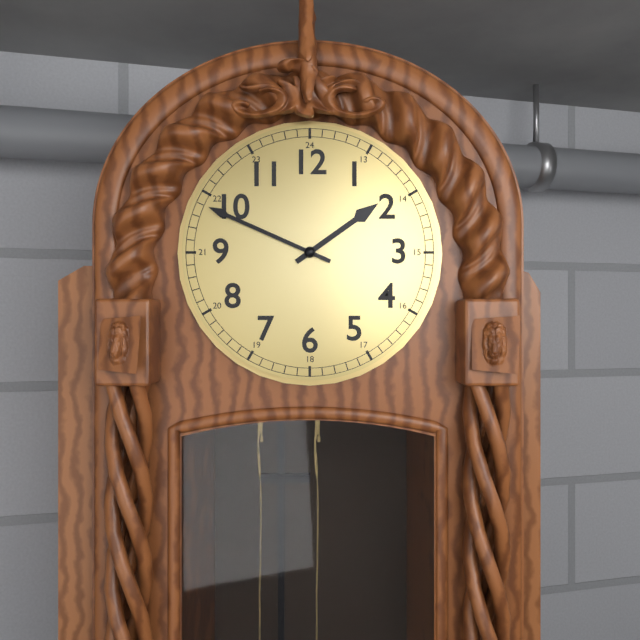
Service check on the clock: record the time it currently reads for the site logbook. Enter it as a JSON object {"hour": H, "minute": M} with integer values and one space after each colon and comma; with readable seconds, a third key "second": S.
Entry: {"hour": 1, "minute": 49}
